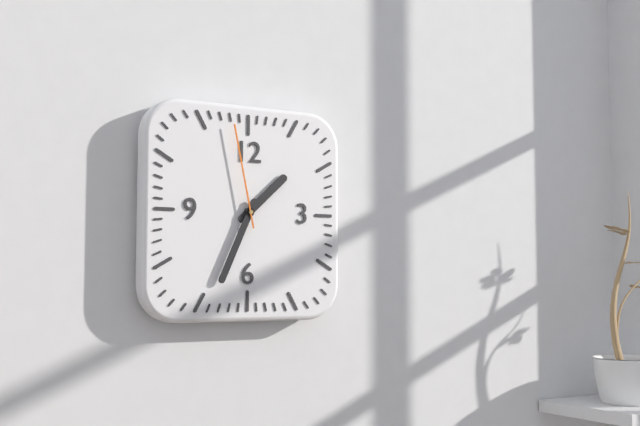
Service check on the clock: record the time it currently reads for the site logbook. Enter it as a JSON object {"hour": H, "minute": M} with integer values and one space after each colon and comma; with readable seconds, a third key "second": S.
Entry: {"hour": 1, "minute": 34, "second": 58}
